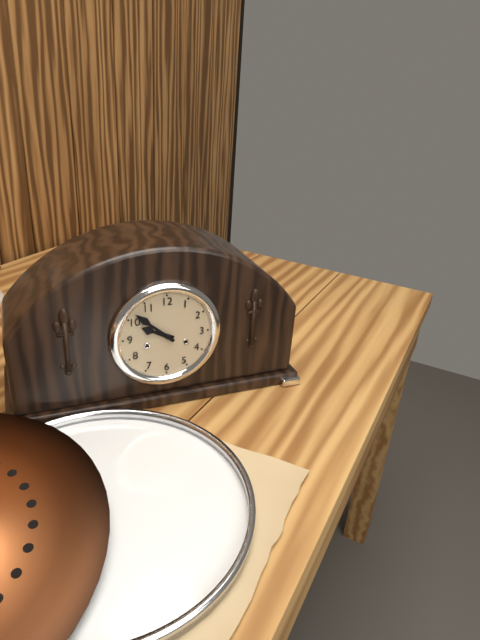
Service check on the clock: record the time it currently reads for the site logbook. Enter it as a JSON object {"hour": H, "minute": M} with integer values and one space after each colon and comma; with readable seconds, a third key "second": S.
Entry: {"hour": 9, "minute": 52}
